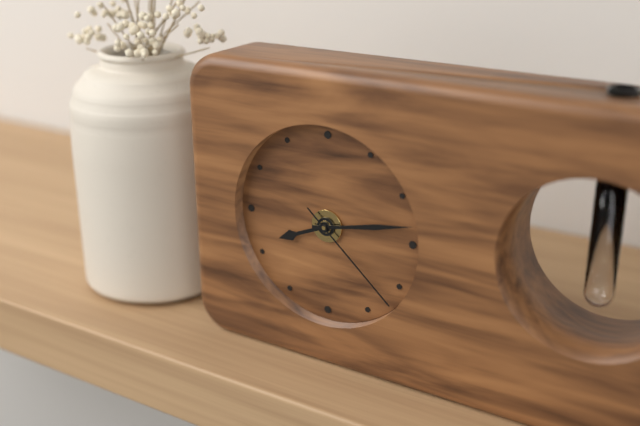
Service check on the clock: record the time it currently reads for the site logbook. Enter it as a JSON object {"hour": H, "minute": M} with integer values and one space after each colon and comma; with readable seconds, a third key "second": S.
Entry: {"hour": 8, "minute": 13, "second": 22}
